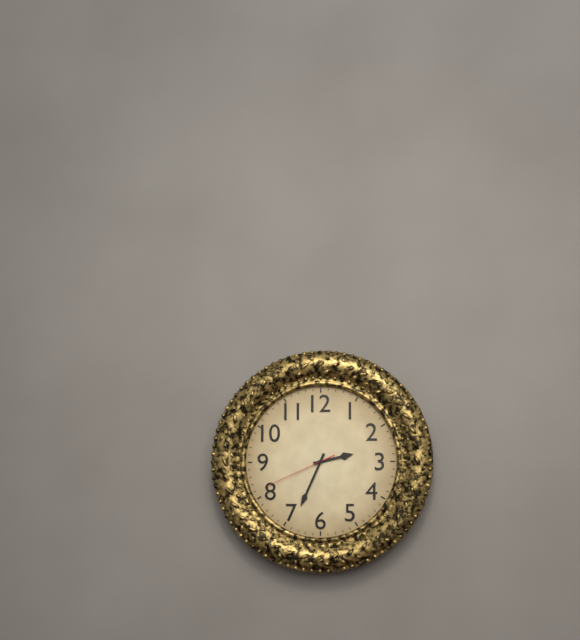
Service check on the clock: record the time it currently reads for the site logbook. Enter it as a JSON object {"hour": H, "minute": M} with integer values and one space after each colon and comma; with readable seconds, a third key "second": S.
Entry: {"hour": 2, "minute": 34, "second": 41}
